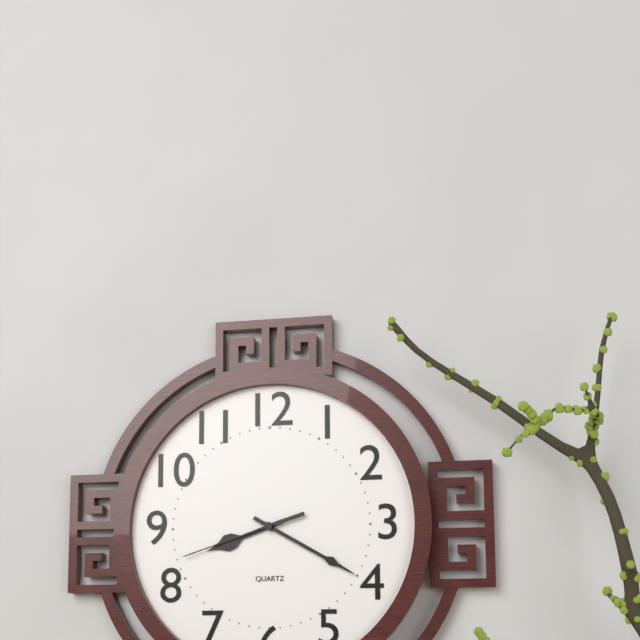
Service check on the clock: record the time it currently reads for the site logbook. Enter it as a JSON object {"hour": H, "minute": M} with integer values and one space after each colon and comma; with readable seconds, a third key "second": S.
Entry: {"hour": 8, "minute": 20, "second": 42}
